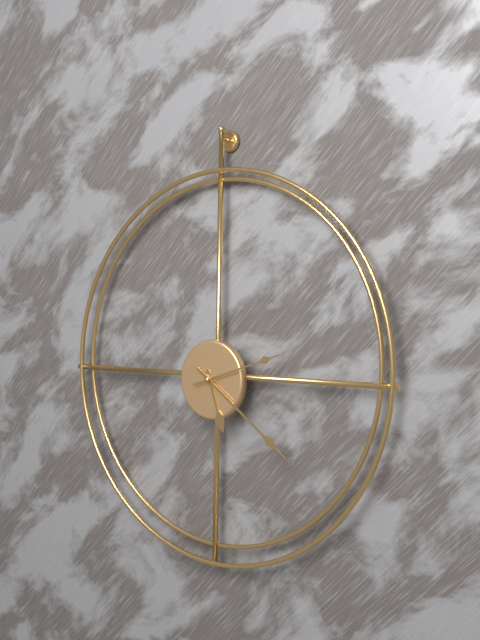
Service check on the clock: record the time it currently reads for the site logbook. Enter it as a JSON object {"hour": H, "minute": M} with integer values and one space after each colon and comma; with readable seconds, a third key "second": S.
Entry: {"hour": 5, "minute": 21, "second": 12}
